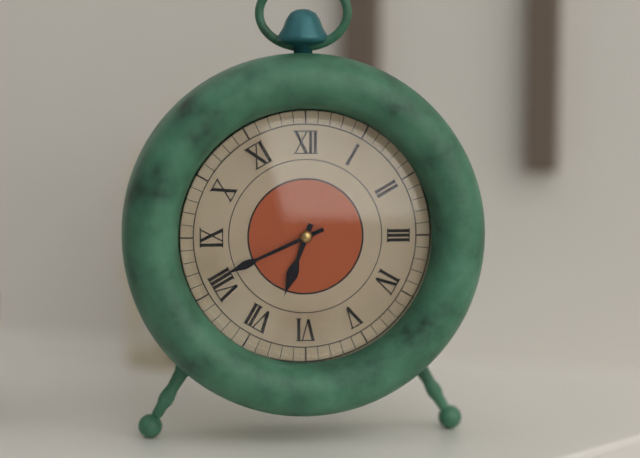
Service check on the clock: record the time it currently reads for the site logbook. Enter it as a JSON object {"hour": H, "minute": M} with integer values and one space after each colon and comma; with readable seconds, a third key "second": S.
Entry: {"hour": 6, "minute": 41}
